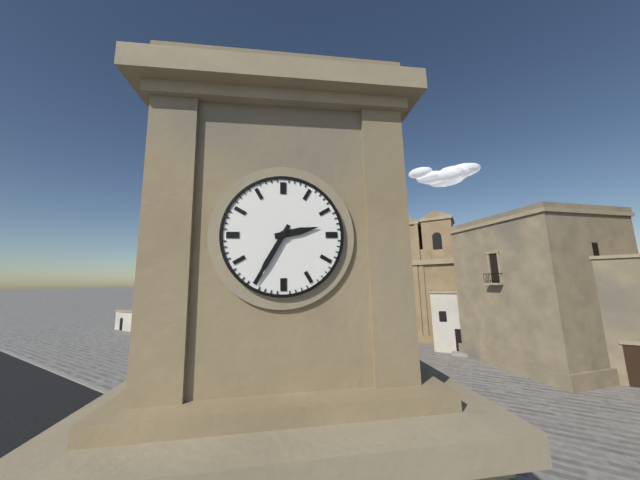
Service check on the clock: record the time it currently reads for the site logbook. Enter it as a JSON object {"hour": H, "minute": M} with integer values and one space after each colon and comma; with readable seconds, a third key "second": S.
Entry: {"hour": 2, "minute": 35}
